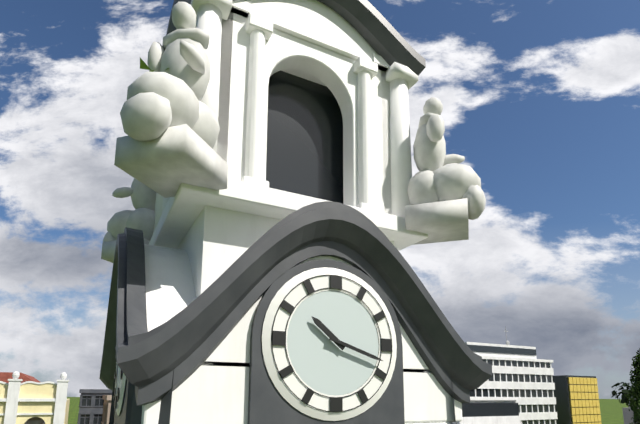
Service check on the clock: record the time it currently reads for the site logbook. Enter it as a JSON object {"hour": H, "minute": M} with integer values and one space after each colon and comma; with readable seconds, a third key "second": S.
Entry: {"hour": 10, "minute": 18}
